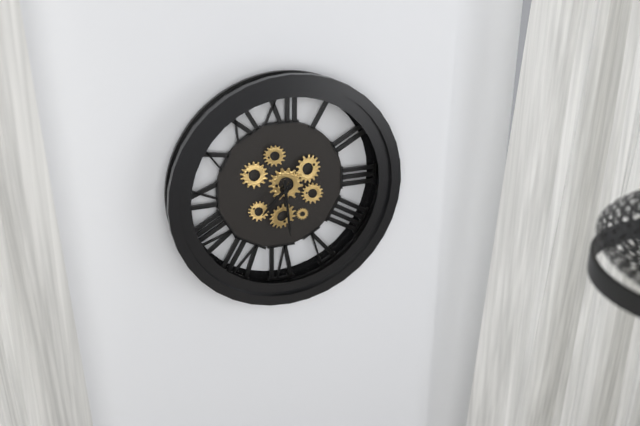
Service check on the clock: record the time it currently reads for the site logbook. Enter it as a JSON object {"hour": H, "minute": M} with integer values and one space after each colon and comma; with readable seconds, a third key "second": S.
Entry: {"hour": 7, "minute": 29}
